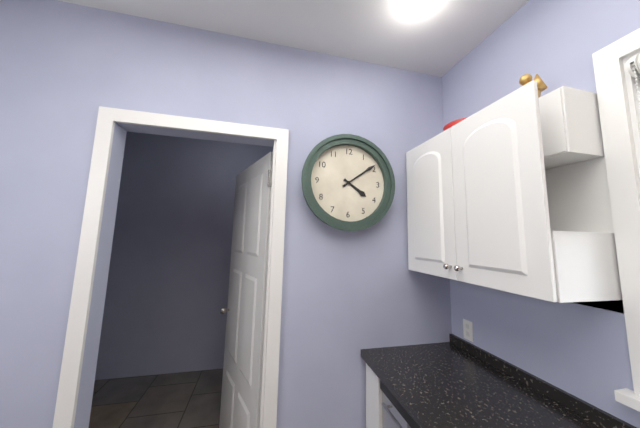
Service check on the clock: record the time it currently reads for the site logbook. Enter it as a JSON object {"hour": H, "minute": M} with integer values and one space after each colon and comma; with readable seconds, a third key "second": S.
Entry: {"hour": 4, "minute": 9}
